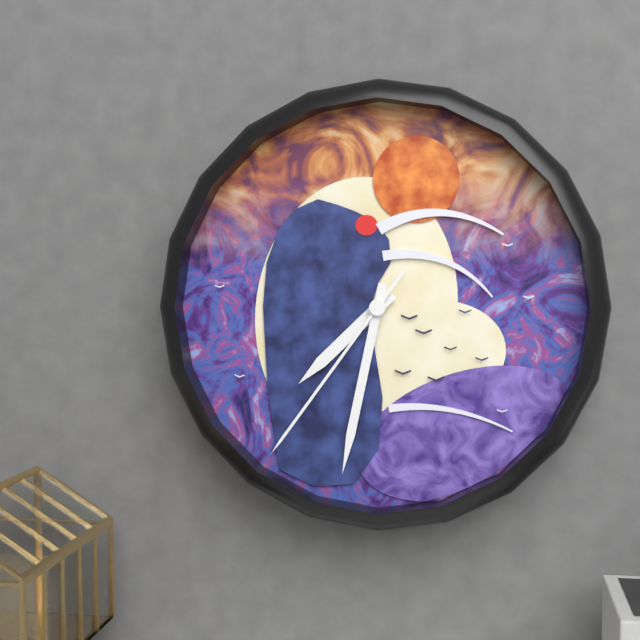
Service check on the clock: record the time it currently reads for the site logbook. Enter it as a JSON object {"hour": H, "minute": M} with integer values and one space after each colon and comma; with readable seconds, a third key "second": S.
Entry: {"hour": 7, "minute": 32, "second": 36}
